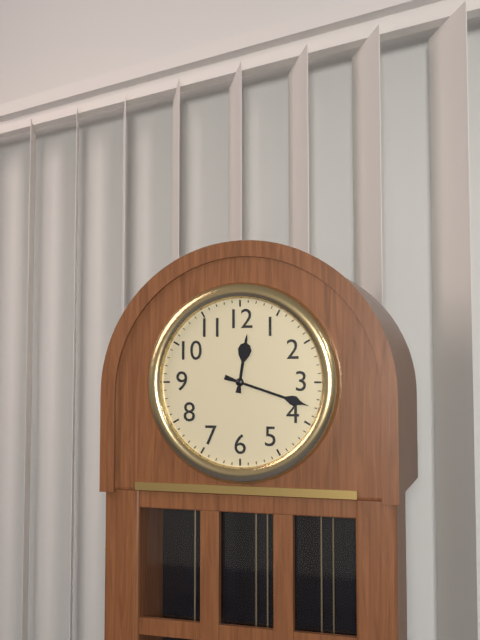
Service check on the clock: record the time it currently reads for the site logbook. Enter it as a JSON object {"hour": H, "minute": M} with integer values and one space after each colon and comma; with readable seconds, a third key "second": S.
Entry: {"hour": 12, "minute": 18}
